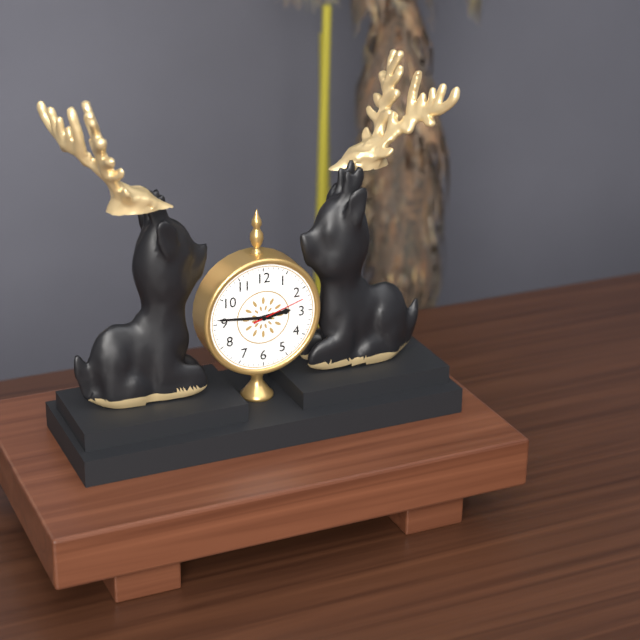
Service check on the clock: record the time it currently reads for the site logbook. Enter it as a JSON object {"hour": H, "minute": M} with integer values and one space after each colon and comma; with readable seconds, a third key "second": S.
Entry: {"hour": 2, "minute": 46, "second": 12}
